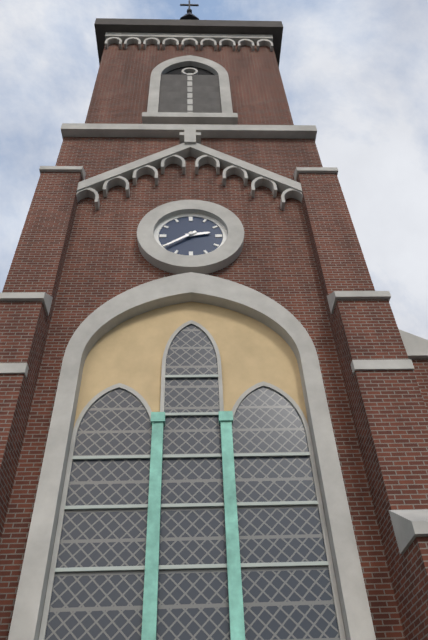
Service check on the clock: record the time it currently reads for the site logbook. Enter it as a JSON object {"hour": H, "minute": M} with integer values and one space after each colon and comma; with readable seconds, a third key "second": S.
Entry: {"hour": 2, "minute": 39}
